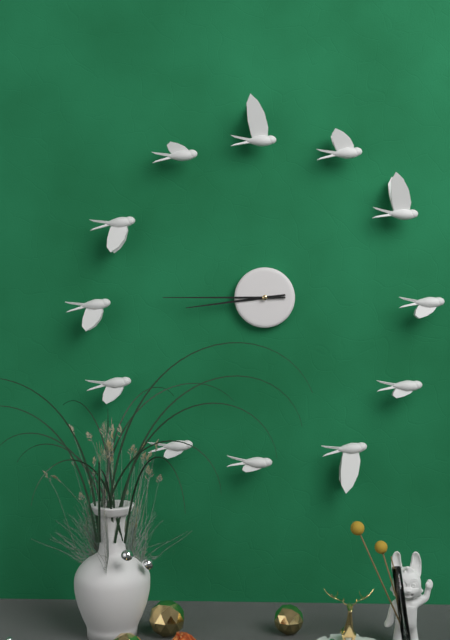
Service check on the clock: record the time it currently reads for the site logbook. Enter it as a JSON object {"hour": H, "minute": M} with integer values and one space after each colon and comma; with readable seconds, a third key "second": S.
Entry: {"hour": 8, "minute": 45}
